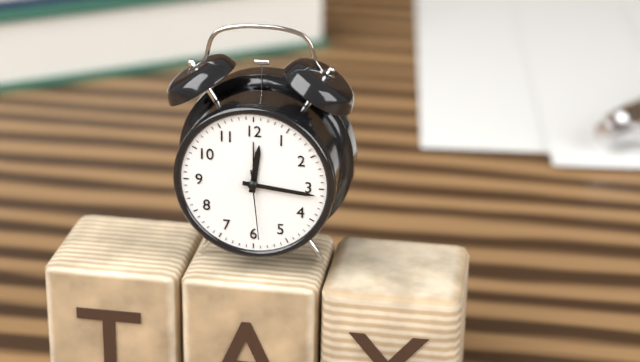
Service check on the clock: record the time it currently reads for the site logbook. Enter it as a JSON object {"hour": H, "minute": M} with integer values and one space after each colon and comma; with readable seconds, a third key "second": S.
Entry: {"hour": 12, "minute": 16, "second": 29}
